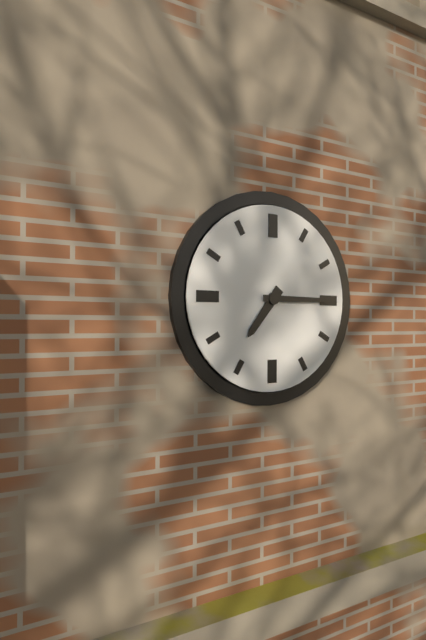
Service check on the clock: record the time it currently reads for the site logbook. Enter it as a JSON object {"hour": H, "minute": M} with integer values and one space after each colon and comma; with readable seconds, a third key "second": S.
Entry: {"hour": 7, "minute": 15}
